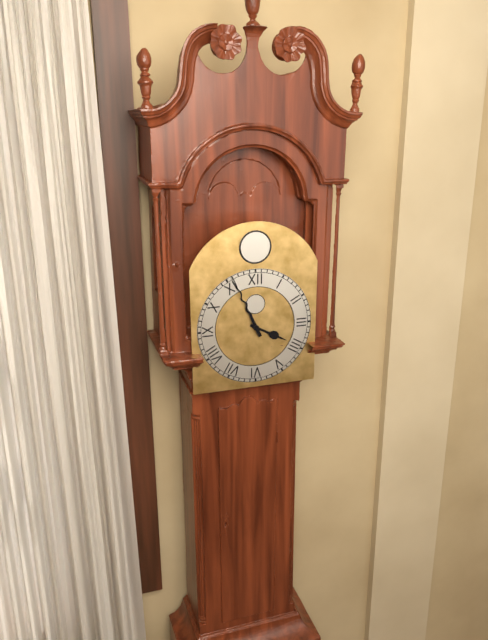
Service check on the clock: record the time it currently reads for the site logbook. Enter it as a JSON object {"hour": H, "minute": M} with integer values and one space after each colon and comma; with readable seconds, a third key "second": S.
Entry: {"hour": 3, "minute": 56}
